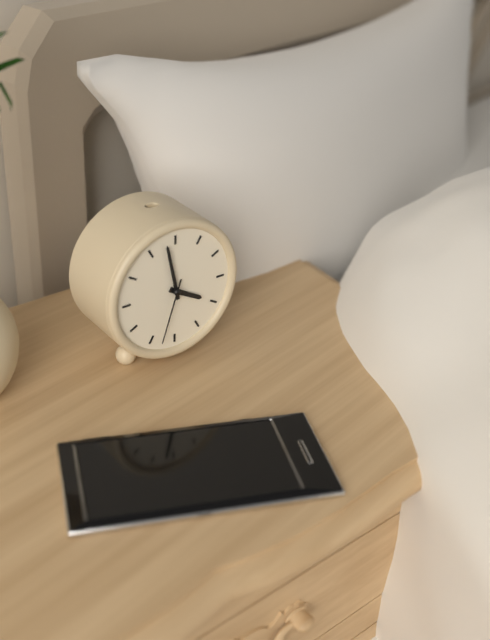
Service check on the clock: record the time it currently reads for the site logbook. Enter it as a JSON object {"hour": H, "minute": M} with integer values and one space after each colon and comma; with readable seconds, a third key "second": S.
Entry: {"hour": 3, "minute": 58, "second": 33}
